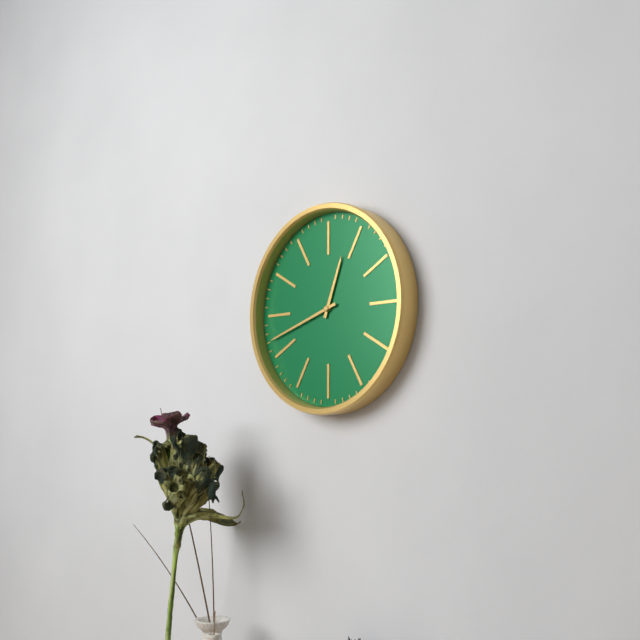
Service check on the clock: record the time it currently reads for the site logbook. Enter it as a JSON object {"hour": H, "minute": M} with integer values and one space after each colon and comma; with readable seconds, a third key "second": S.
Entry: {"hour": 12, "minute": 42}
